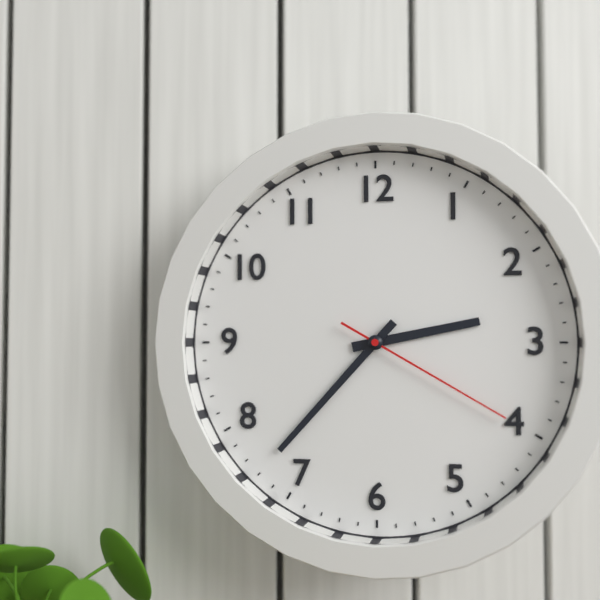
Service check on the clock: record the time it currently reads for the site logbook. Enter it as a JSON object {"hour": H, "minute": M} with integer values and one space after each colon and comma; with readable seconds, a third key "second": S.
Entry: {"hour": 2, "minute": 37, "second": 20}
